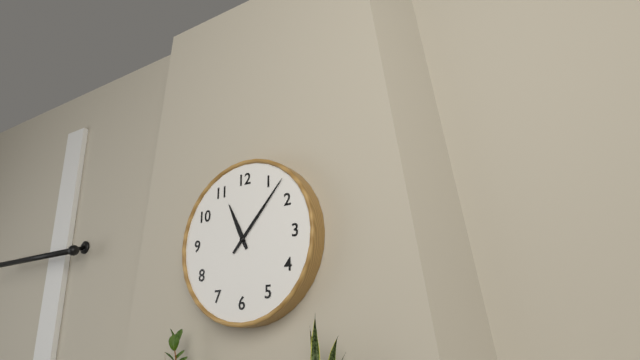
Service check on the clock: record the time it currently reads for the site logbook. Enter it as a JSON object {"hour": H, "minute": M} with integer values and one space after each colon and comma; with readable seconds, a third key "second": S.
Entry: {"hour": 11, "minute": 7}
